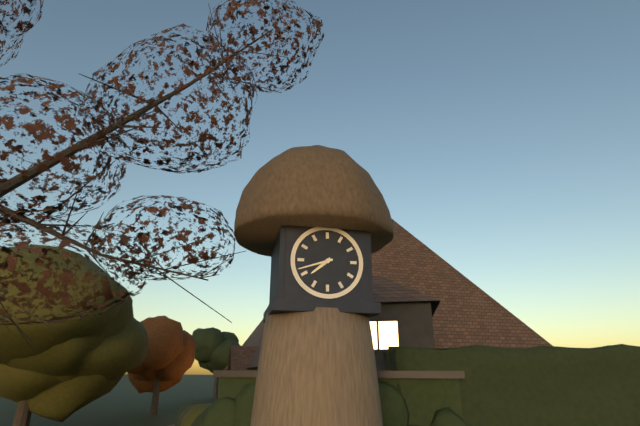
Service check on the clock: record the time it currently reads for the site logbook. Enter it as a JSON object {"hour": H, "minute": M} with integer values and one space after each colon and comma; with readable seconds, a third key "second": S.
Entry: {"hour": 7, "minute": 42}
